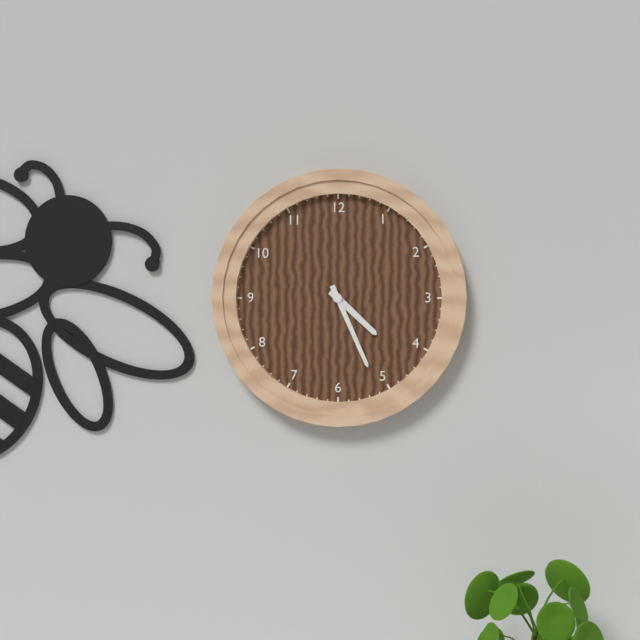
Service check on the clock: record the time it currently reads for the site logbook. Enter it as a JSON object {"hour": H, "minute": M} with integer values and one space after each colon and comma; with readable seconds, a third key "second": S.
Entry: {"hour": 4, "minute": 26}
